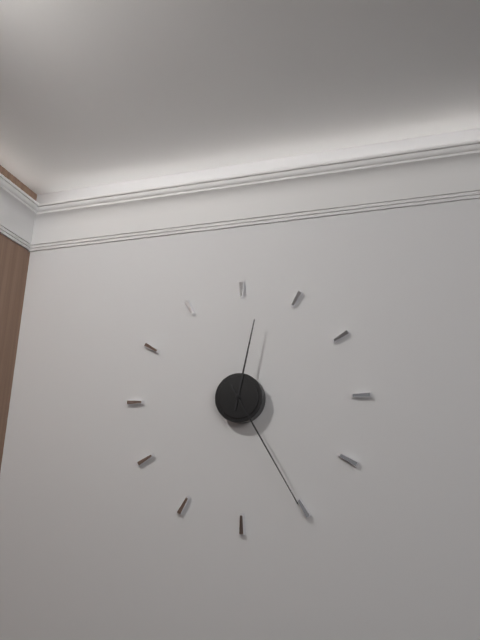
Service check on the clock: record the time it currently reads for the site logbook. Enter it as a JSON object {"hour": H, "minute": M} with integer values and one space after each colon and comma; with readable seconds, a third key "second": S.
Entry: {"hour": 12, "minute": 25}
